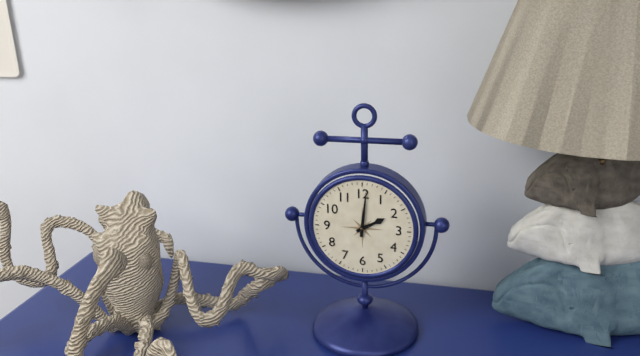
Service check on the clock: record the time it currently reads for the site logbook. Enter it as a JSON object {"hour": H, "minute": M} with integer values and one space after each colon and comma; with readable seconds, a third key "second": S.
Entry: {"hour": 2, "minute": 1}
